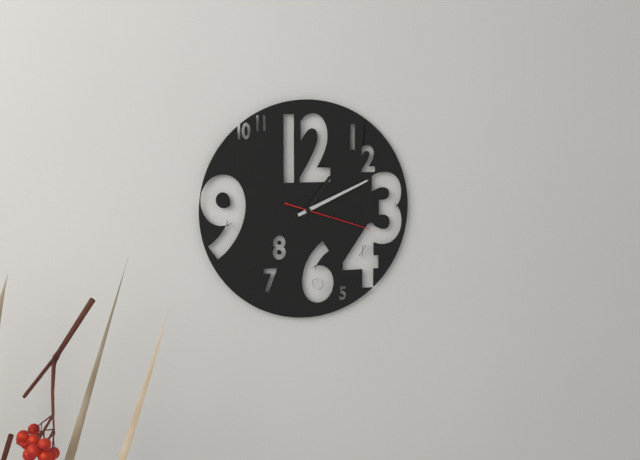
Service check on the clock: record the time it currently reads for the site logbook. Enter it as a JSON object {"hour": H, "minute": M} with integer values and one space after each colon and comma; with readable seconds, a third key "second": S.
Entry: {"hour": 1, "minute": 11, "second": 18}
